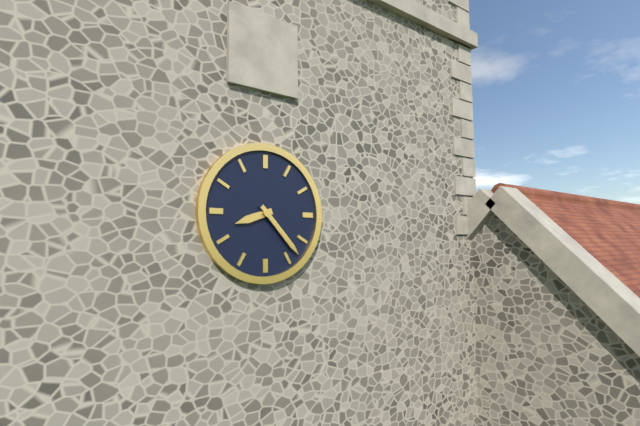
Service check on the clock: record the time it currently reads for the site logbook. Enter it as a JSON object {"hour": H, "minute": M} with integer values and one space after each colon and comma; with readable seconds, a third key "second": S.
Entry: {"hour": 8, "minute": 23}
